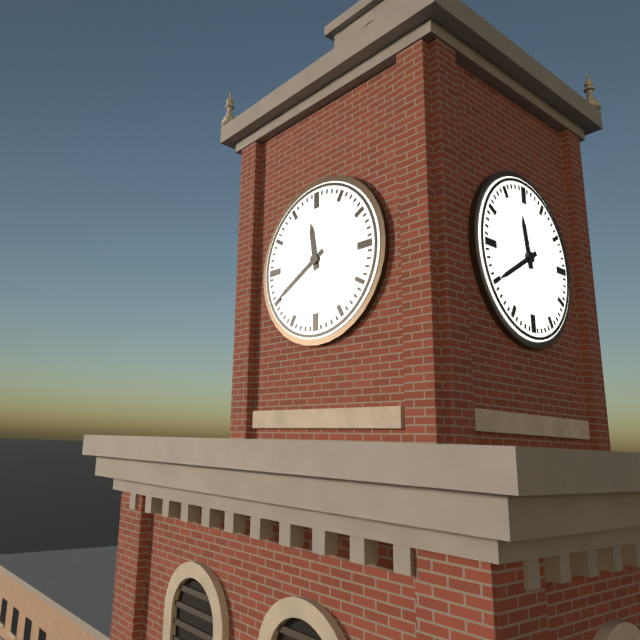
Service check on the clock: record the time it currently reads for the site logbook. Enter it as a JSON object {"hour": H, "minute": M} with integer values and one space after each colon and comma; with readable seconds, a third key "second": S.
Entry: {"hour": 11, "minute": 40}
